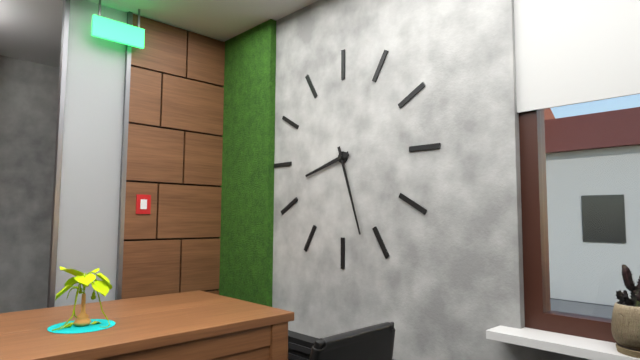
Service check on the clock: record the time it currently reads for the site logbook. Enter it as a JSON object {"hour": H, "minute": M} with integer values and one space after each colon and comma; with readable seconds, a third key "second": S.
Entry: {"hour": 8, "minute": 27}
